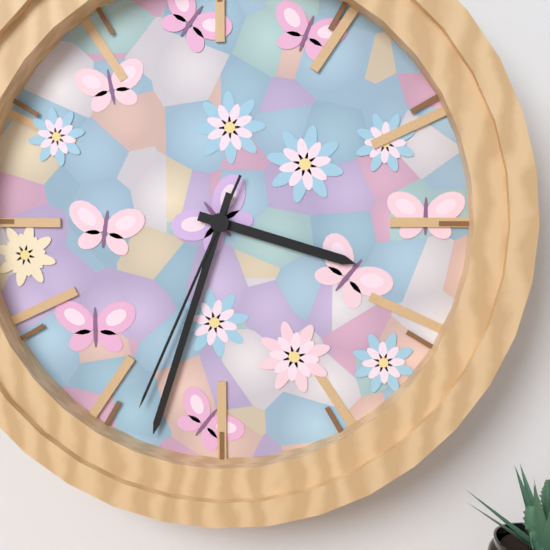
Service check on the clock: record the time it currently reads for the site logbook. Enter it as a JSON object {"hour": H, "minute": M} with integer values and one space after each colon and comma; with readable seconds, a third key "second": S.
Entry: {"hour": 3, "minute": 33, "second": 34}
